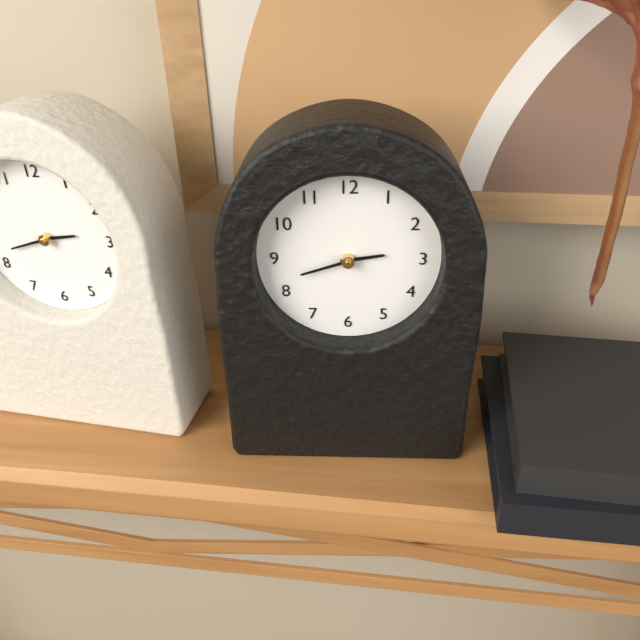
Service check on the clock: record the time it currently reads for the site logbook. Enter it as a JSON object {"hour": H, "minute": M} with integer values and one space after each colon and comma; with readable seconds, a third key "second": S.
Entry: {"hour": 2, "minute": 42}
